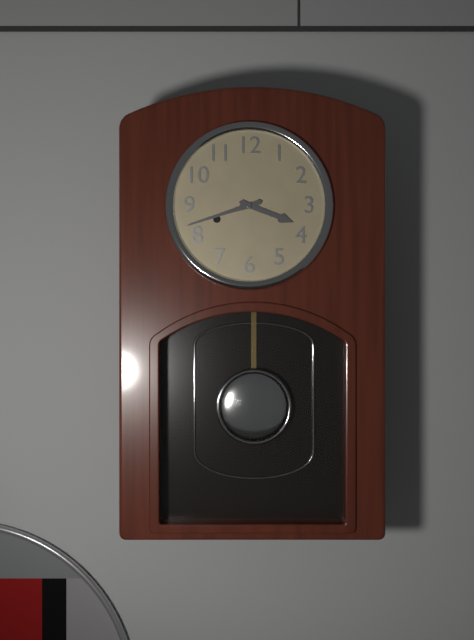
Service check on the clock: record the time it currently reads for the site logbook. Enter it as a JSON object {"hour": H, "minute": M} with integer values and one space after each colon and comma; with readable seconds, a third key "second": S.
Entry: {"hour": 3, "minute": 42}
